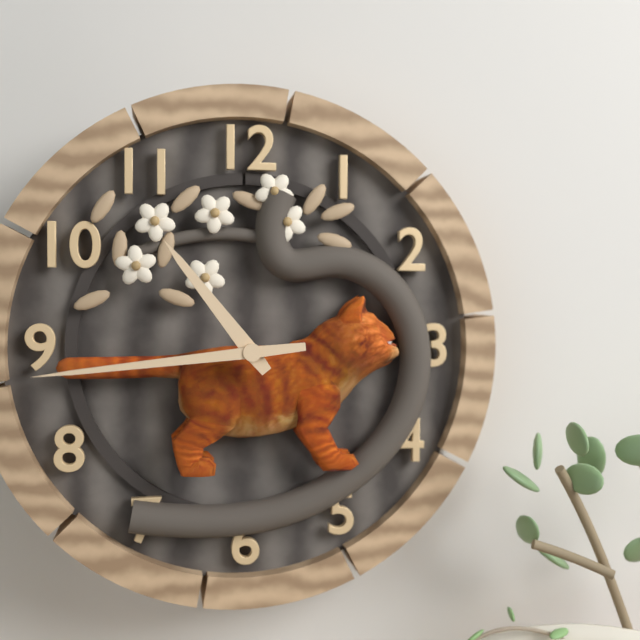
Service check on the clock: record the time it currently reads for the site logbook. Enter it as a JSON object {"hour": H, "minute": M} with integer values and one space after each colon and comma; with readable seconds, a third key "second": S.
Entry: {"hour": 10, "minute": 44}
